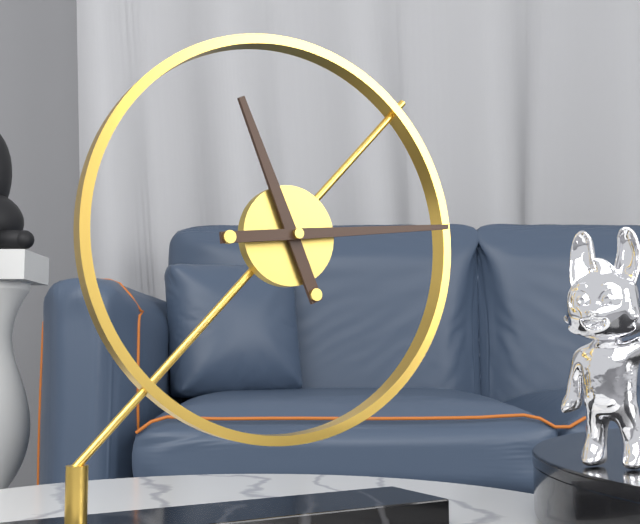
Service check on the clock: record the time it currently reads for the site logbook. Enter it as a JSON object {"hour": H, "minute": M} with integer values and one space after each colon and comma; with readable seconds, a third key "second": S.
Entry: {"hour": 11, "minute": 14}
